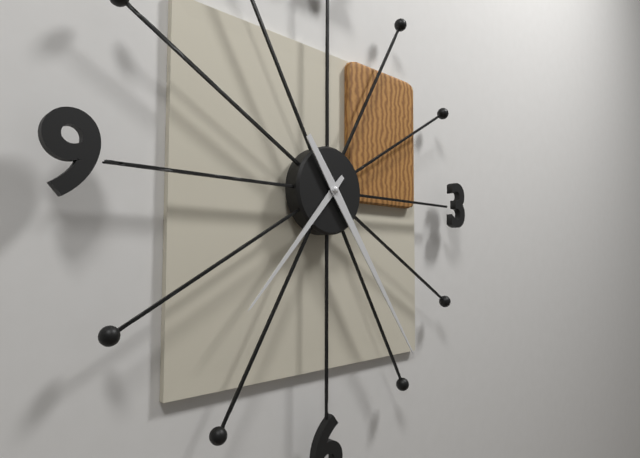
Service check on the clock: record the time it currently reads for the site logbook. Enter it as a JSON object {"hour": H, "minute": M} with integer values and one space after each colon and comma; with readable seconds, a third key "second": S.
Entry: {"hour": 7, "minute": 24}
